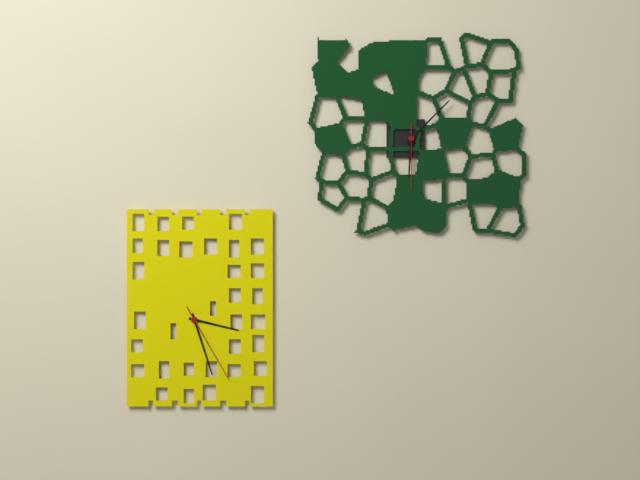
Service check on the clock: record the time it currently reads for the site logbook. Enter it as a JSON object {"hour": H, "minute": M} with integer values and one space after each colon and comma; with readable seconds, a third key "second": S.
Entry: {"hour": 3, "minute": 27, "second": 25}
